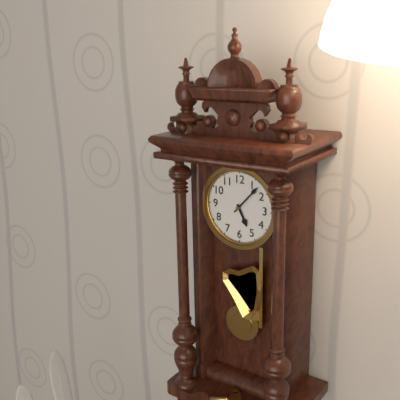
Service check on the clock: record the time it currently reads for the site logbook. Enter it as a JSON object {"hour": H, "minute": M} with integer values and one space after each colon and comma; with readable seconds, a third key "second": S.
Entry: {"hour": 5, "minute": 7}
